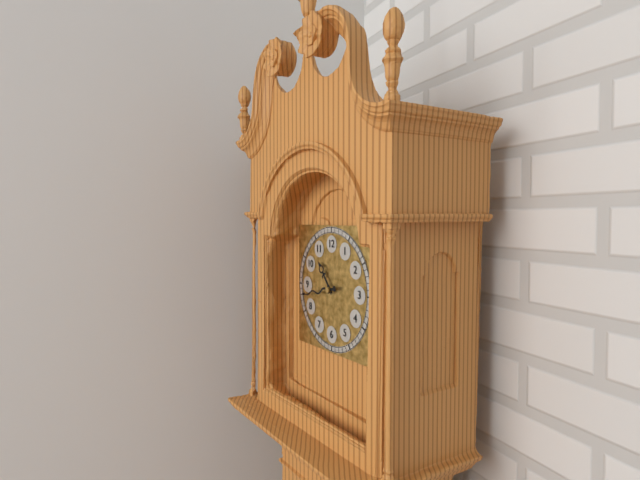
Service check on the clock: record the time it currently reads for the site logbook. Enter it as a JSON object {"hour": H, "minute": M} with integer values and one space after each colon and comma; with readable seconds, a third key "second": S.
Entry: {"hour": 10, "minute": 43}
